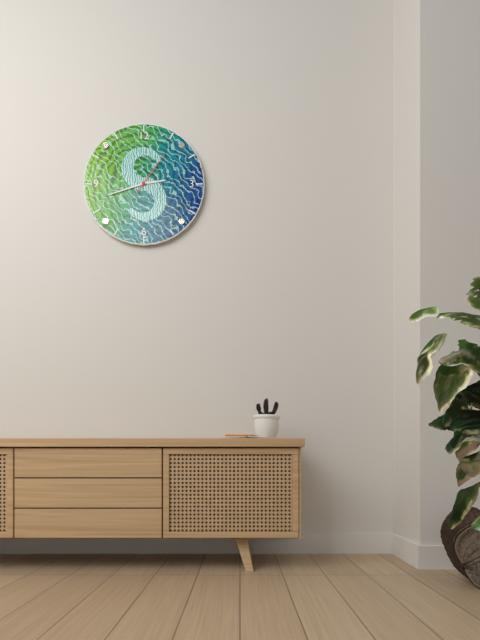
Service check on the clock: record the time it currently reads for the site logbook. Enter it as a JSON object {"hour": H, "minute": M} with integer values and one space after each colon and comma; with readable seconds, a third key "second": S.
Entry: {"hour": 2, "minute": 42}
